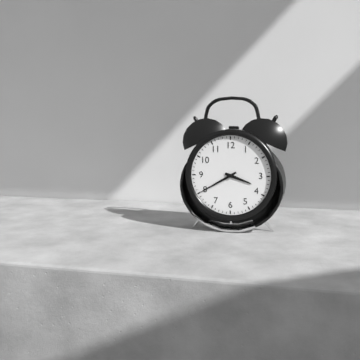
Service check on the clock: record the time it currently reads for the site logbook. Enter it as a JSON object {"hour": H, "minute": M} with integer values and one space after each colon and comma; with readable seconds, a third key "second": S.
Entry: {"hour": 3, "minute": 40}
